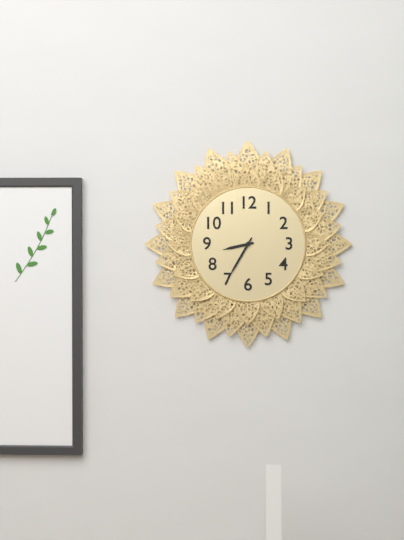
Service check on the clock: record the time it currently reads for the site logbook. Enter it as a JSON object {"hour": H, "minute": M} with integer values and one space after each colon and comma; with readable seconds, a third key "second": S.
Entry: {"hour": 8, "minute": 35}
